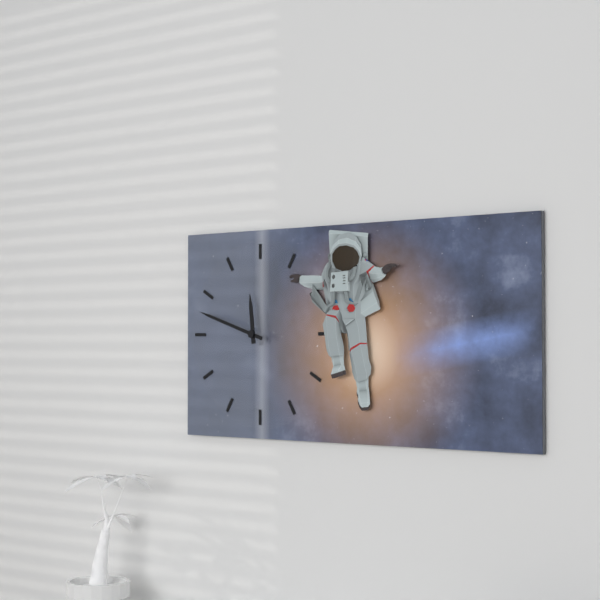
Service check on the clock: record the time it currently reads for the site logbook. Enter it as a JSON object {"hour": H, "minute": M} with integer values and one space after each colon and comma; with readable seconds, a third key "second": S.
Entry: {"hour": 11, "minute": 48}
